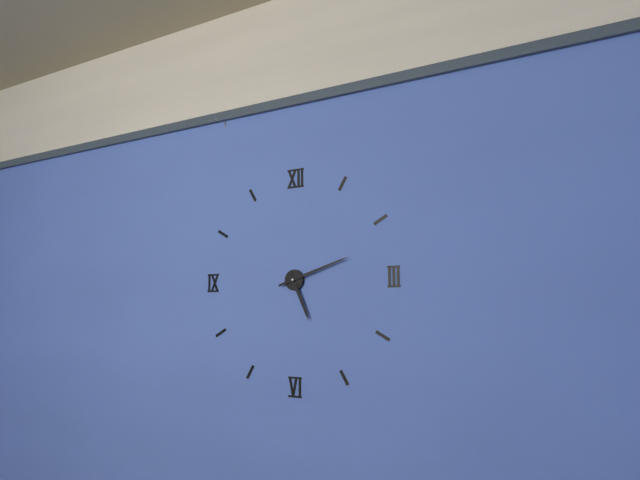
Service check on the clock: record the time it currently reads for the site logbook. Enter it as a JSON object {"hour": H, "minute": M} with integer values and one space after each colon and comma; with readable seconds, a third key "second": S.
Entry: {"hour": 5, "minute": 12}
